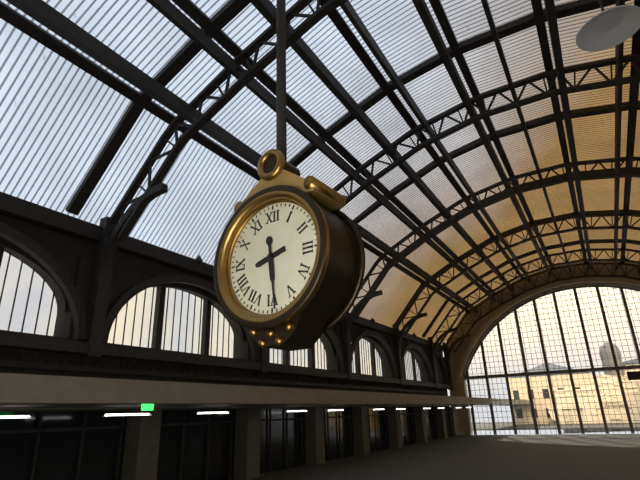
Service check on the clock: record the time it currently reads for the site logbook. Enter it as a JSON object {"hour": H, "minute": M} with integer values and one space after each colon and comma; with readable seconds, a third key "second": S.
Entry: {"hour": 8, "minute": 29}
